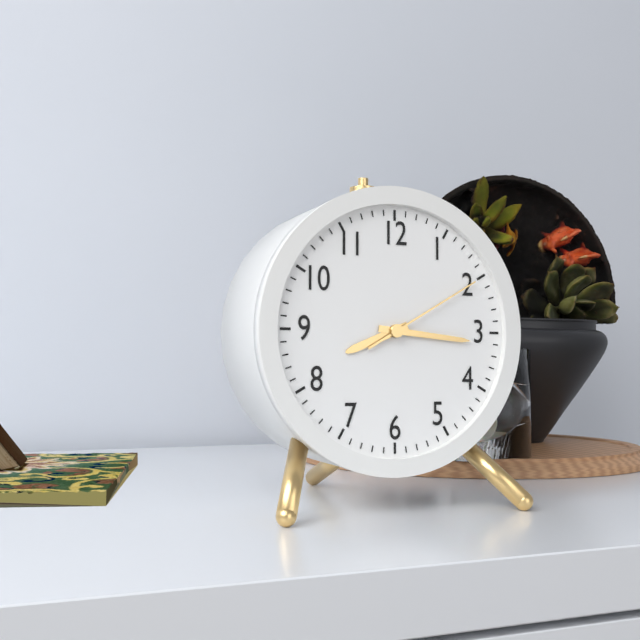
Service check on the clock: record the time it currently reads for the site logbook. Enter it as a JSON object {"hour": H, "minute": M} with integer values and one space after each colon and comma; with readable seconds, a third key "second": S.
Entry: {"hour": 8, "minute": 16, "second": 10}
